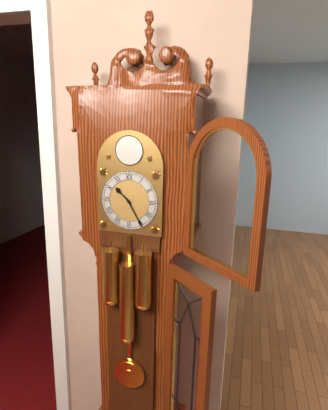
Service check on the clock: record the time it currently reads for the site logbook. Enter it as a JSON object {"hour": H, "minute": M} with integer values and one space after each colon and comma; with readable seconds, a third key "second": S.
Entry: {"hour": 10, "minute": 25}
